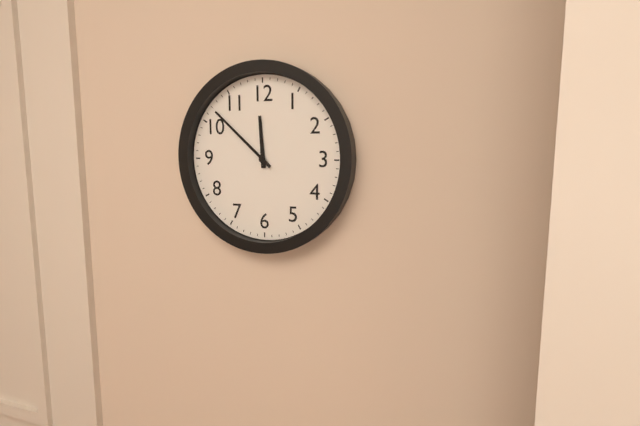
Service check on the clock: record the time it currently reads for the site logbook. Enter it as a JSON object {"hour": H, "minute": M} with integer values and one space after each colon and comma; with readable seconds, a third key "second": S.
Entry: {"hour": 11, "minute": 52}
